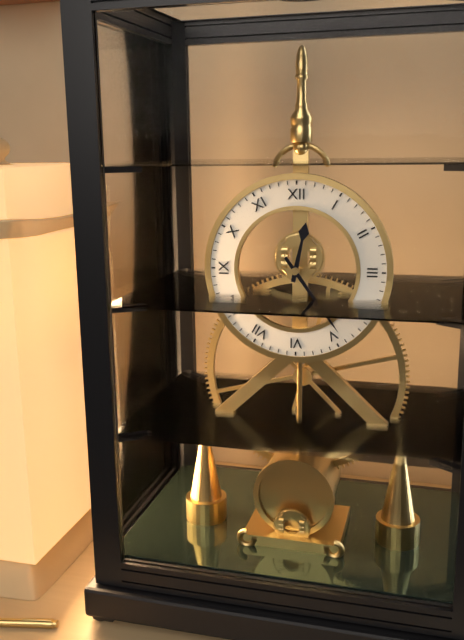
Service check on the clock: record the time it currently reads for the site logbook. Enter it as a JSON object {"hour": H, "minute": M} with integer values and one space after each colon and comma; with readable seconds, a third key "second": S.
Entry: {"hour": 12, "minute": 24}
